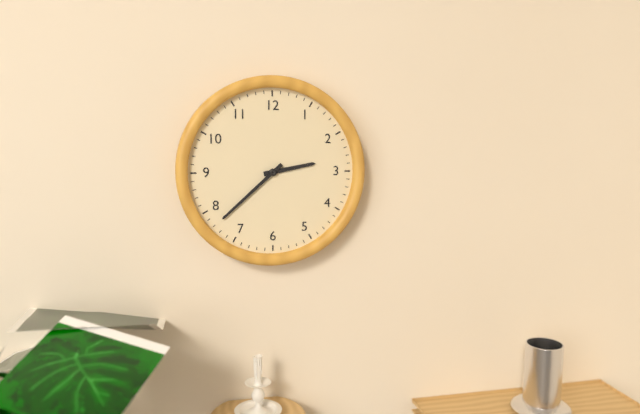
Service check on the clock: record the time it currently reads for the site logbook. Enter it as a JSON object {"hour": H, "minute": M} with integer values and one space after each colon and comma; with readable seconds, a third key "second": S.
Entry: {"hour": 2, "minute": 38}
